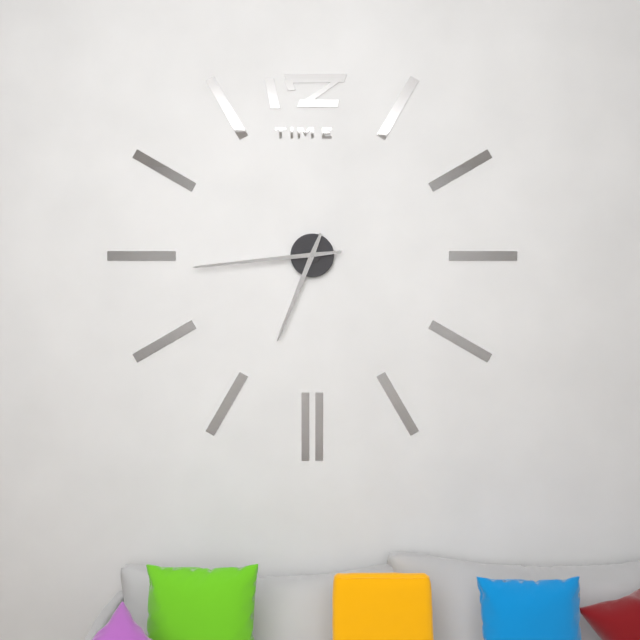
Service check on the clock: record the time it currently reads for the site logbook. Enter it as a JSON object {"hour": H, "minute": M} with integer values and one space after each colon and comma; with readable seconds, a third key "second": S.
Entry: {"hour": 6, "minute": 44}
